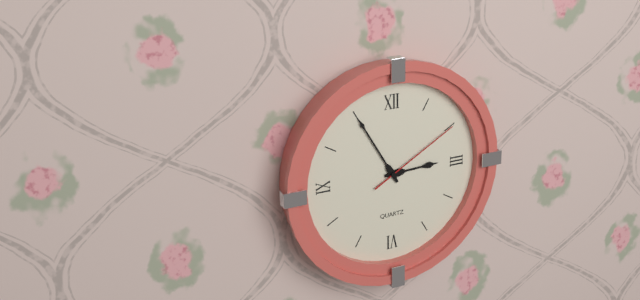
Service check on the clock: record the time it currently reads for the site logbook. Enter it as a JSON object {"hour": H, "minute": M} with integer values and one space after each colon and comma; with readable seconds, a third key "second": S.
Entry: {"hour": 2, "minute": 55, "second": 10}
